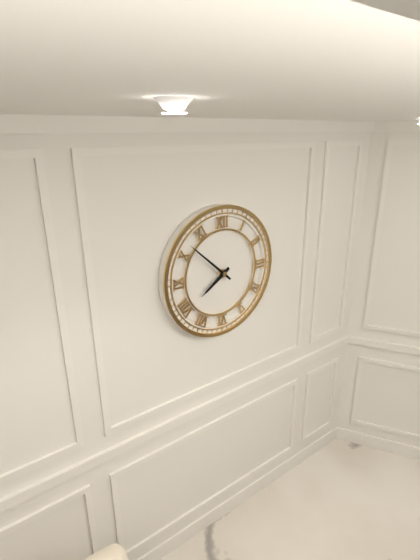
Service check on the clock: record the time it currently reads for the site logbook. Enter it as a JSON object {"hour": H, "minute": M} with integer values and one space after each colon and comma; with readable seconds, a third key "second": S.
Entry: {"hour": 7, "minute": 52}
